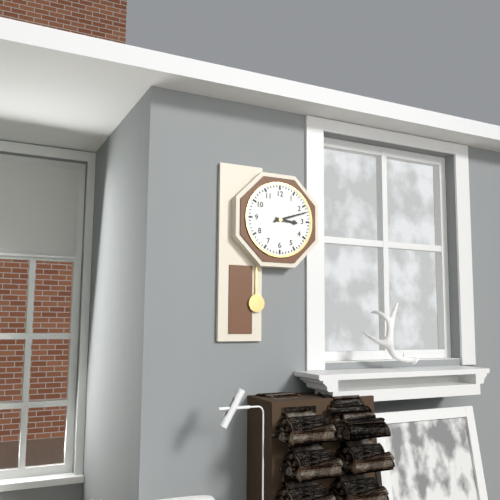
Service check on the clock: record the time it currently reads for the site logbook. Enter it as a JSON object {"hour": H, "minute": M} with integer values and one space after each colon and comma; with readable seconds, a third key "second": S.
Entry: {"hour": 3, "minute": 12}
